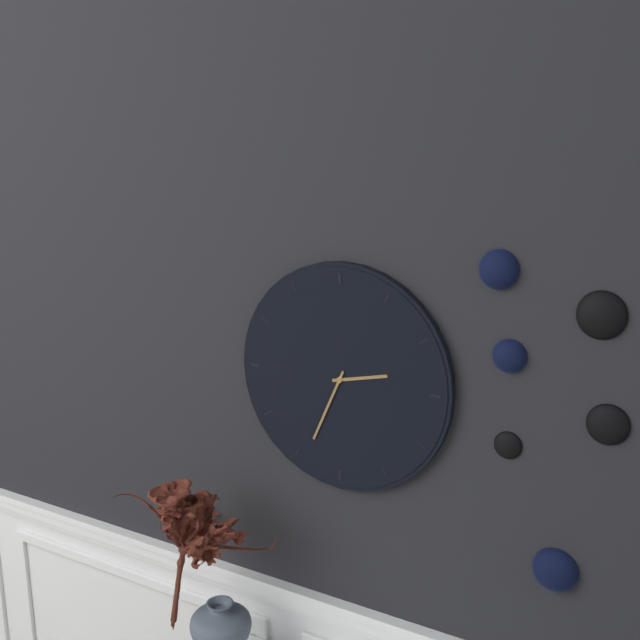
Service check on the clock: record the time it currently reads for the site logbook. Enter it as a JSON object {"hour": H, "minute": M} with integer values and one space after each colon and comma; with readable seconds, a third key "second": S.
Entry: {"hour": 2, "minute": 34}
